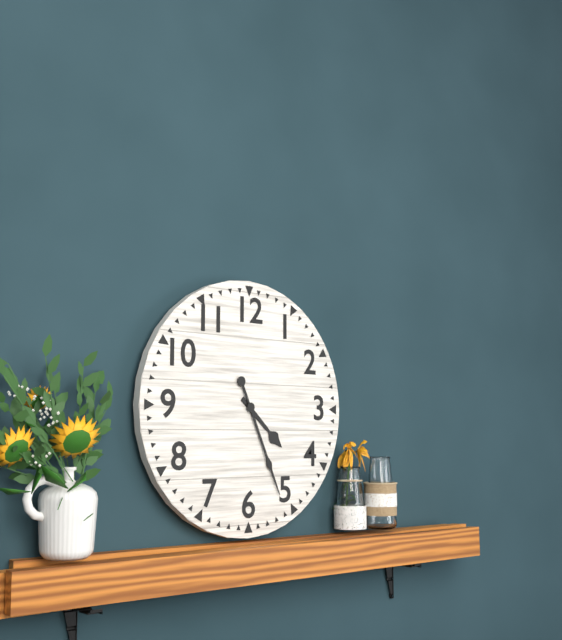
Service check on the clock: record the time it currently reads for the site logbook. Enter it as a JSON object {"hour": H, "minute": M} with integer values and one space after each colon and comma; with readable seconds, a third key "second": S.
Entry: {"hour": 4, "minute": 26}
